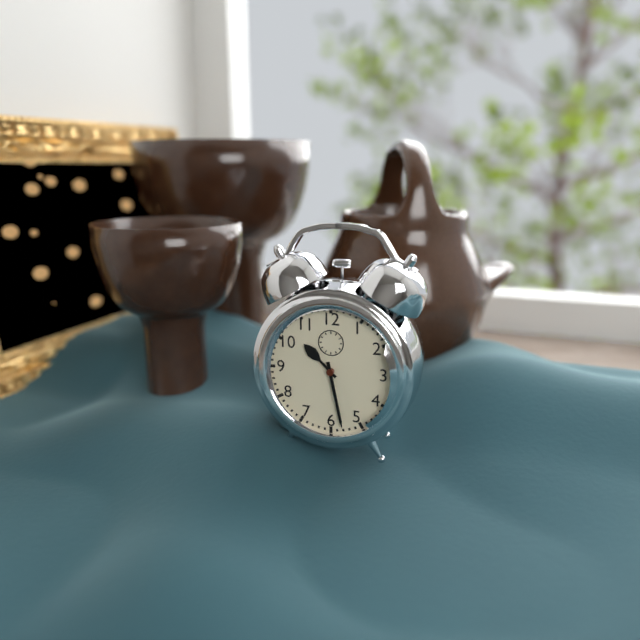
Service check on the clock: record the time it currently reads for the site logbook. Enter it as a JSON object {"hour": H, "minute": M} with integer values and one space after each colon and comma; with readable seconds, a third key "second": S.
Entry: {"hour": 10, "minute": 28}
